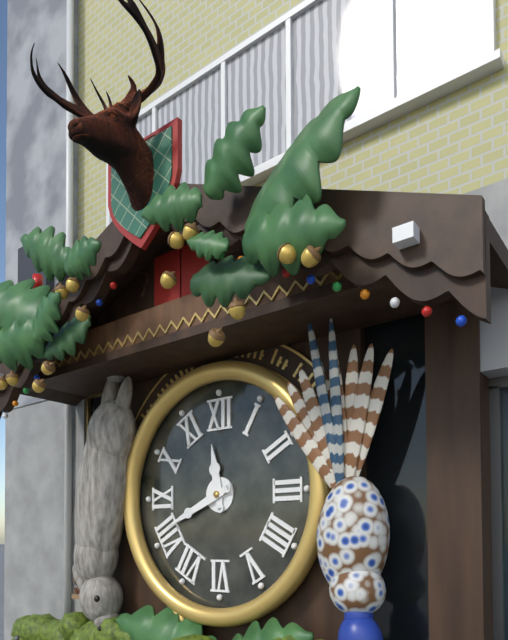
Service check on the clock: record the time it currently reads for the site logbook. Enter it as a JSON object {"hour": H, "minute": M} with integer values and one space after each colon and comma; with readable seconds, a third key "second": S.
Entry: {"hour": 11, "minute": 41}
